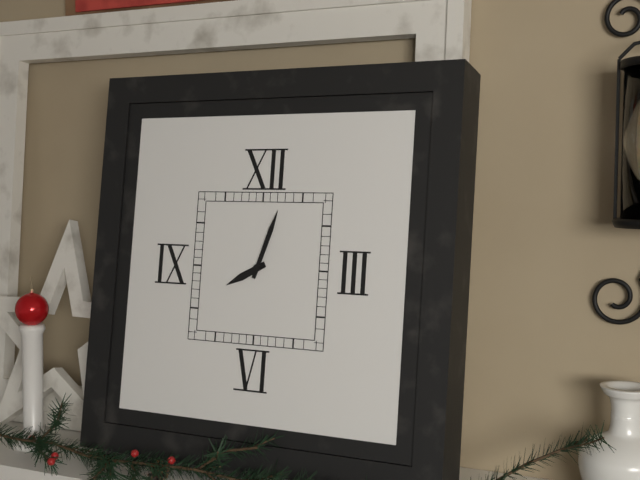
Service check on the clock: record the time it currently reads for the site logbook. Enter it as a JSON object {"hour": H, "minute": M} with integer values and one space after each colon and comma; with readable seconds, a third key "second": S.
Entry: {"hour": 8, "minute": 3}
